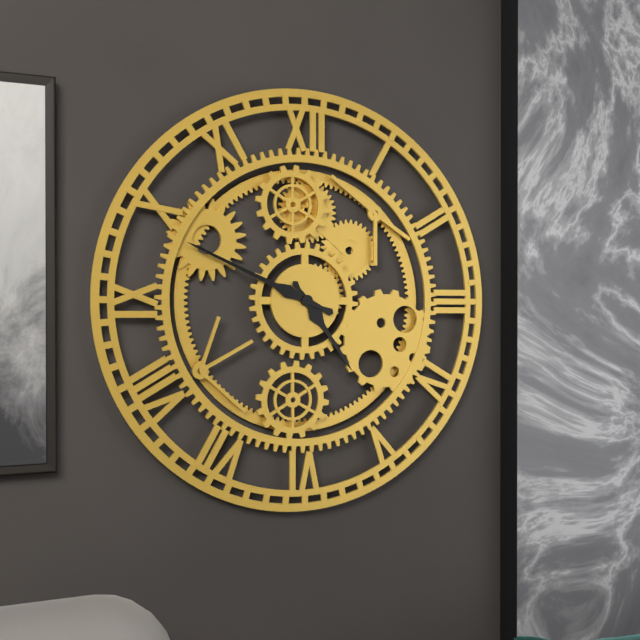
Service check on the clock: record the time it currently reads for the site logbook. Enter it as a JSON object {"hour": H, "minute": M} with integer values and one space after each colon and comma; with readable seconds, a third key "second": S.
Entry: {"hour": 4, "minute": 49}
